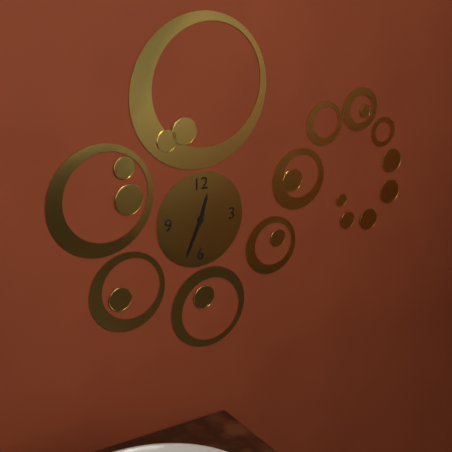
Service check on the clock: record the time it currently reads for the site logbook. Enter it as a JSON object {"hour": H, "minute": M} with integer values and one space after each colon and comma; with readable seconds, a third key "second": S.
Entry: {"hour": 12, "minute": 34}
